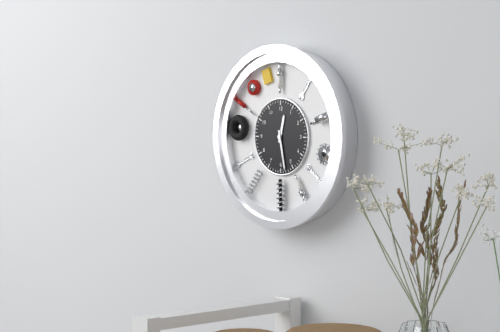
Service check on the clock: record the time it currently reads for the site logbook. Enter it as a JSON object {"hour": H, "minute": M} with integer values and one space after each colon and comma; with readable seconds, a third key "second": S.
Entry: {"hour": 12, "minute": 28}
